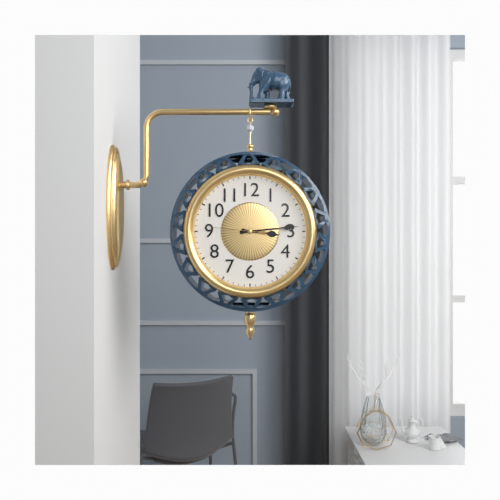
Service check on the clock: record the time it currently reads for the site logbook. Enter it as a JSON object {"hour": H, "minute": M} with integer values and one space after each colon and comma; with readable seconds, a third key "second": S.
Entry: {"hour": 3, "minute": 14, "second": 46}
